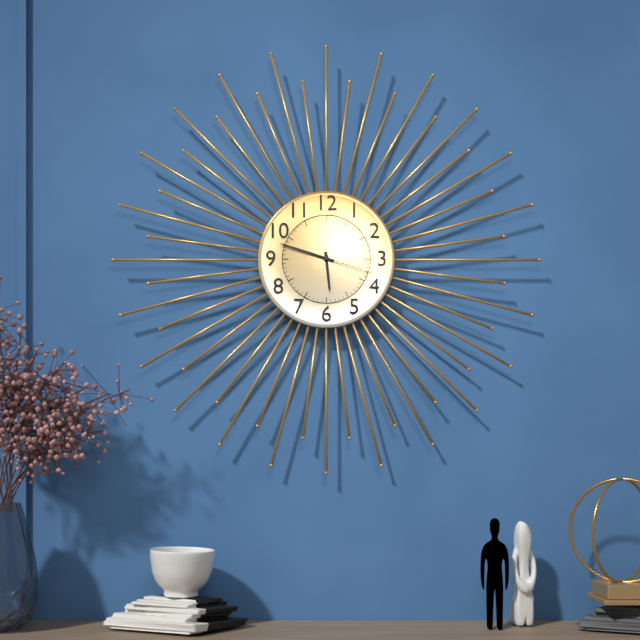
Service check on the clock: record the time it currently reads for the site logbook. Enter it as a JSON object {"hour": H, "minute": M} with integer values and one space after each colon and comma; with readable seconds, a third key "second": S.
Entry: {"hour": 5, "minute": 48, "second": 18}
